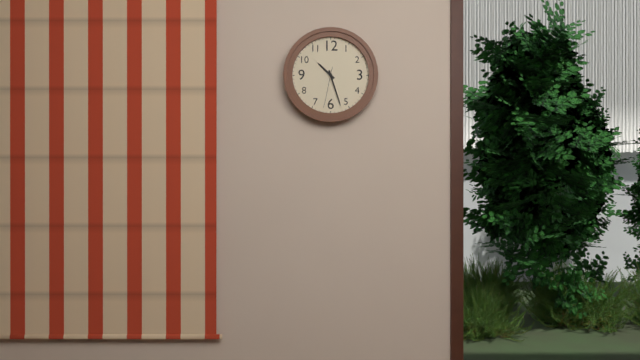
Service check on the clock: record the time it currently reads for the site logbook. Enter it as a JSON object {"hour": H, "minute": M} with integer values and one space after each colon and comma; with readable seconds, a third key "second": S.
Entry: {"hour": 10, "minute": 27}
